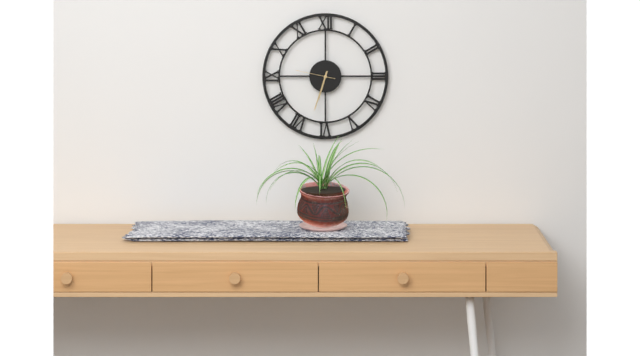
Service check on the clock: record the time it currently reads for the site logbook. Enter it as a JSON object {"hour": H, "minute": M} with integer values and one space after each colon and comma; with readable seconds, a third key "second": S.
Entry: {"hour": 6, "minute": 33}
